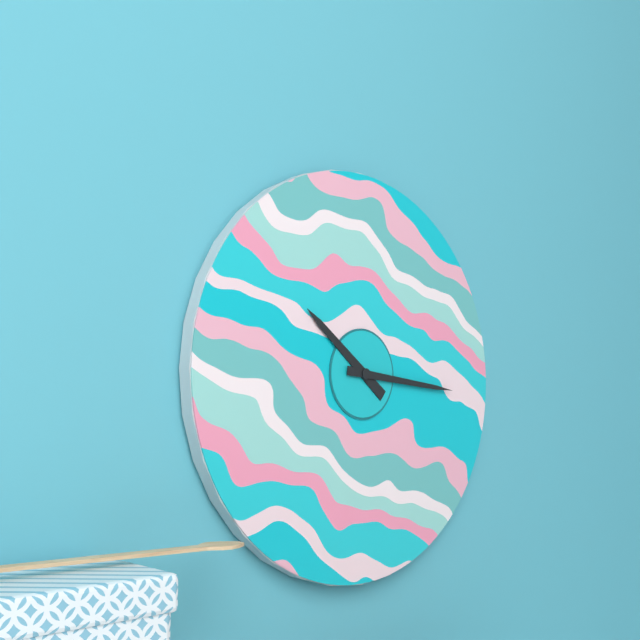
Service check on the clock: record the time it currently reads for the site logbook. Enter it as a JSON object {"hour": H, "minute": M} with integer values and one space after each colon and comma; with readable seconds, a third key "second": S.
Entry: {"hour": 10, "minute": 16}
